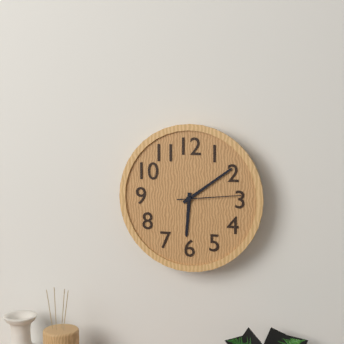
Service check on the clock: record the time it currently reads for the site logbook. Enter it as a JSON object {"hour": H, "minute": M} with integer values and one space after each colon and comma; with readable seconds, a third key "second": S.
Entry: {"hour": 6, "minute": 9, "second": 14}
